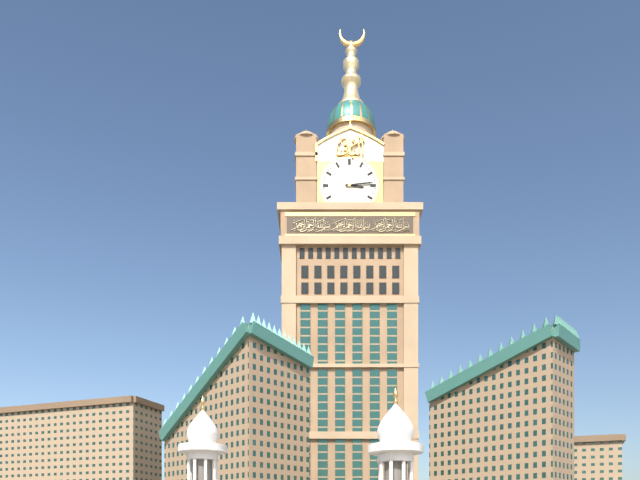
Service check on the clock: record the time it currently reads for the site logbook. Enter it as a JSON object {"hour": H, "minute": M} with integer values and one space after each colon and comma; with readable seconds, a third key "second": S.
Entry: {"hour": 3, "minute": 14}
